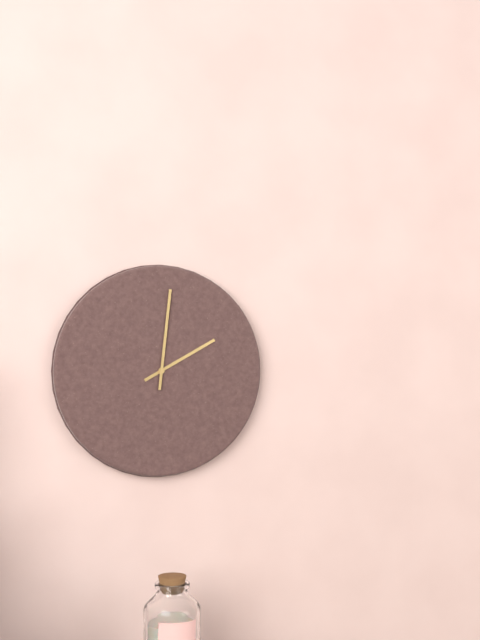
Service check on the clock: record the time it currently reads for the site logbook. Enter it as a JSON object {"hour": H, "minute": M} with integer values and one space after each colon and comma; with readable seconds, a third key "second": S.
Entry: {"hour": 2, "minute": 1}
